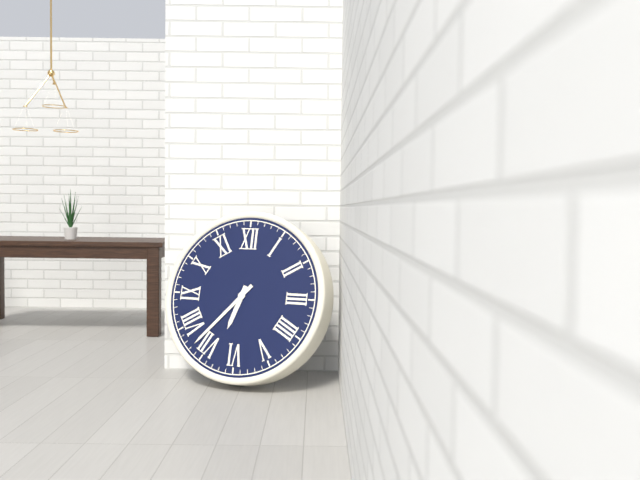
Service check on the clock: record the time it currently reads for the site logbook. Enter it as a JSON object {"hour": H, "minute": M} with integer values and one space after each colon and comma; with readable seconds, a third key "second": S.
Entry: {"hour": 6, "minute": 37}
